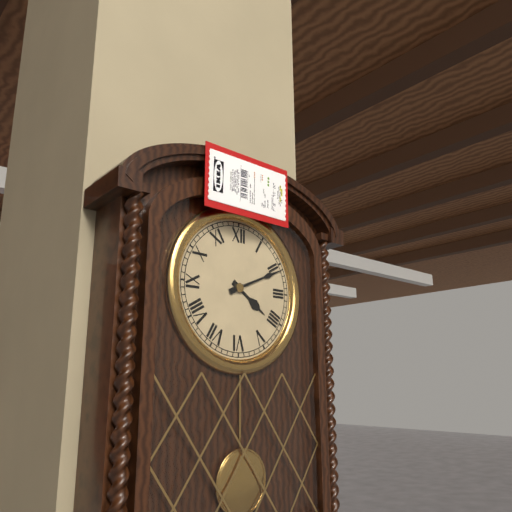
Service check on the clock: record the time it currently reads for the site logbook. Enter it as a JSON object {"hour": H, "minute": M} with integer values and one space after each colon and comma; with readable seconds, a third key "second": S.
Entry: {"hour": 4, "minute": 11}
